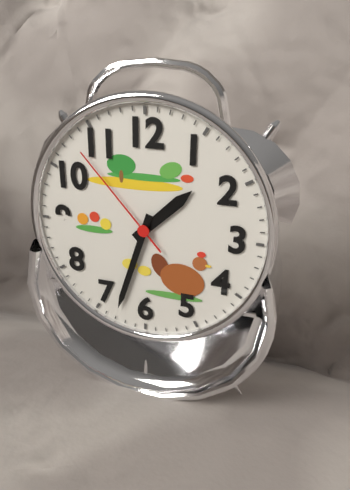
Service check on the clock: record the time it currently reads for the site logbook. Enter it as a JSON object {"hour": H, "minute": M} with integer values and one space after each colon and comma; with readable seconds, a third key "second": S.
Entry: {"hour": 1, "minute": 33, "second": 53}
